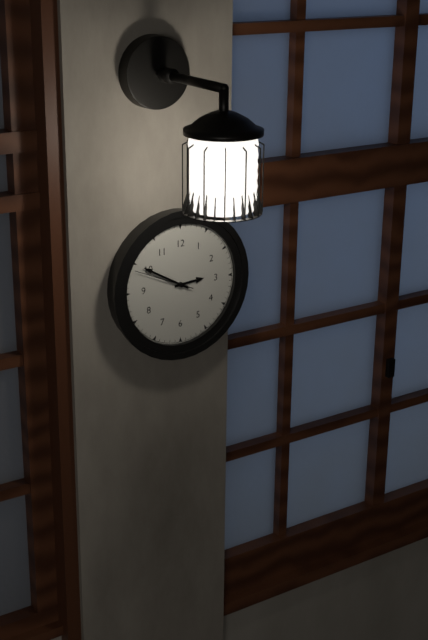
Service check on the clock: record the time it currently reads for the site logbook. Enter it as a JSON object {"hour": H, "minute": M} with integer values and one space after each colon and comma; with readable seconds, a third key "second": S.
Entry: {"hour": 2, "minute": 50, "second": 49}
